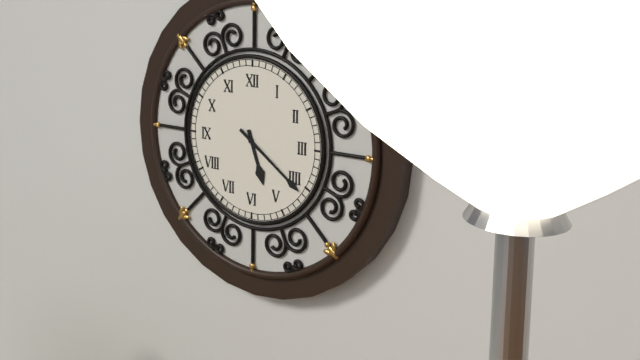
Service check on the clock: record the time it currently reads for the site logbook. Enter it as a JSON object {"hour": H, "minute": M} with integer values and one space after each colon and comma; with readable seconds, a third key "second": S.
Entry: {"hour": 5, "minute": 21}
